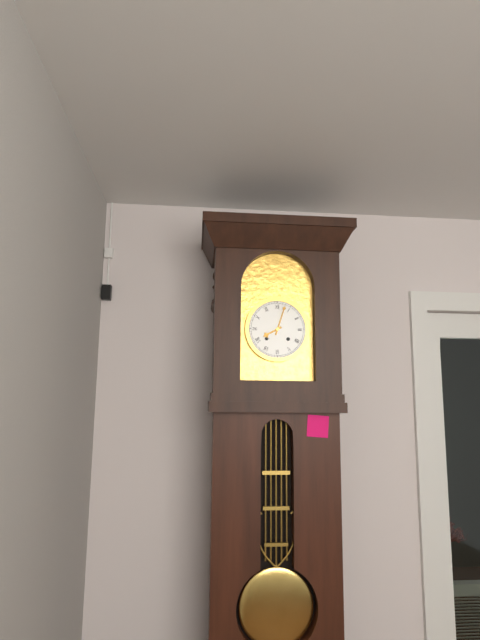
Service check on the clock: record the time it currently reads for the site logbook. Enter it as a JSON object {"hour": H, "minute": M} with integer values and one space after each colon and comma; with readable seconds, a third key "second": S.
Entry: {"hour": 8, "minute": 3}
